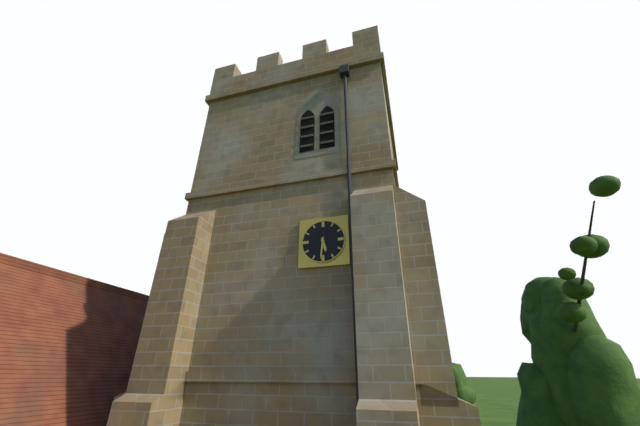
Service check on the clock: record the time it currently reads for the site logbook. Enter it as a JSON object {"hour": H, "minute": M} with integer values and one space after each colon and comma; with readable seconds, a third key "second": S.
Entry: {"hour": 5, "minute": 31}
